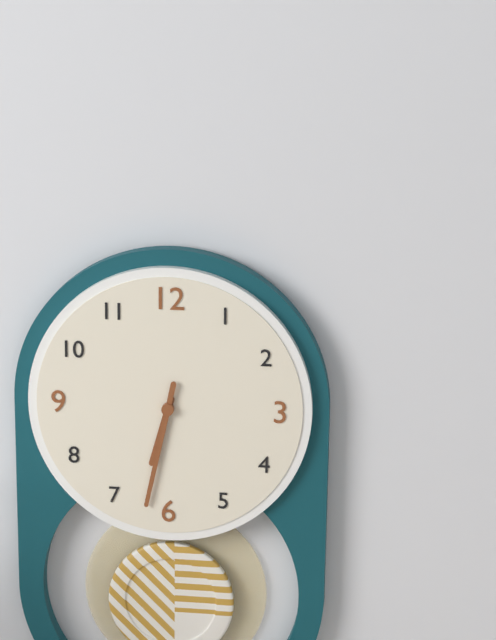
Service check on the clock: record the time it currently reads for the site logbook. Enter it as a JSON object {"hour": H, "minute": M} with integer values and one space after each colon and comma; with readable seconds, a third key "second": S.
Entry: {"hour": 6, "minute": 32}
